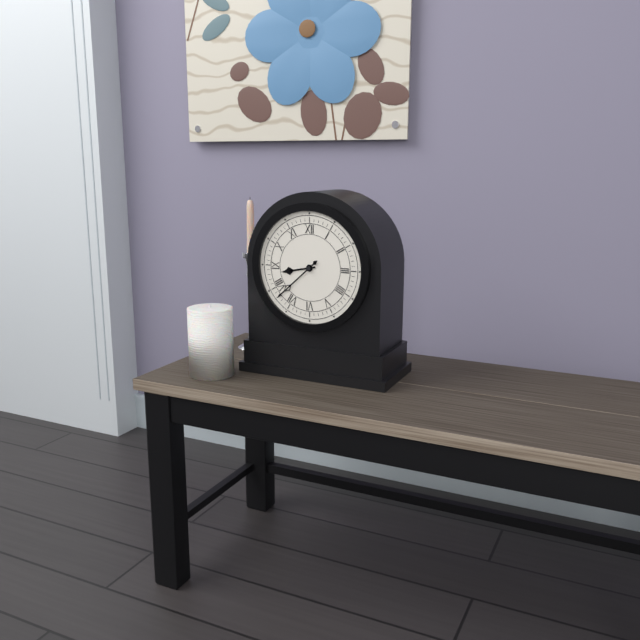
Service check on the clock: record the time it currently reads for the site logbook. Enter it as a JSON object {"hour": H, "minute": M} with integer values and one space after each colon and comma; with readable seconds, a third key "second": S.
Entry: {"hour": 8, "minute": 38}
